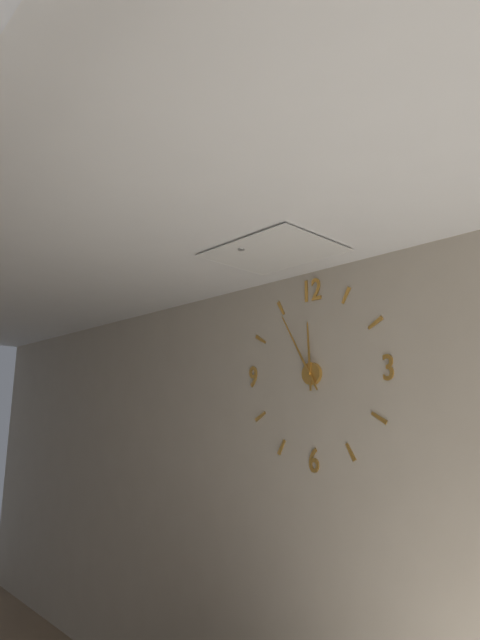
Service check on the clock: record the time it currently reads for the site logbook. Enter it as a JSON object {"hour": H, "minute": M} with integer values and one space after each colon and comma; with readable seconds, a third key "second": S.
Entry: {"hour": 11, "minute": 55}
